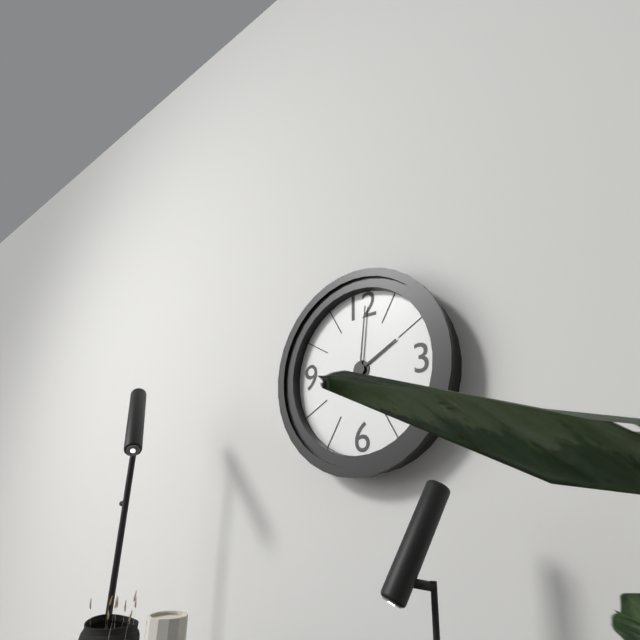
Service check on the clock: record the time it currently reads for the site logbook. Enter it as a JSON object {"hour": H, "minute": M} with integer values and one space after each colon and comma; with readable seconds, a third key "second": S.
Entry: {"hour": 2, "minute": 1}
